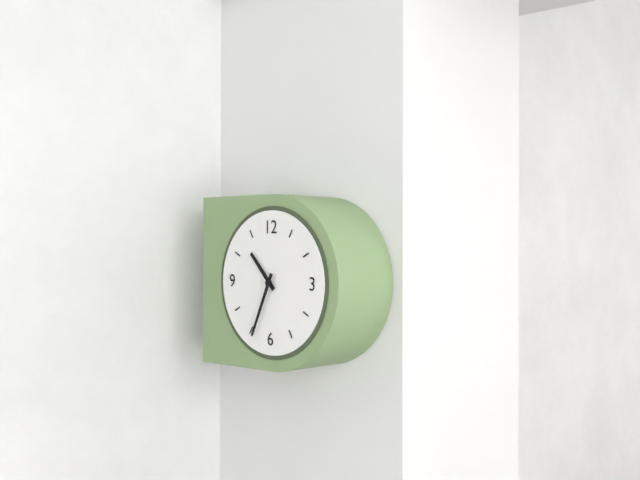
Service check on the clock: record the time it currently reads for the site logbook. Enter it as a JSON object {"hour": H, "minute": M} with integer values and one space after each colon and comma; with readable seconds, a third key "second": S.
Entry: {"hour": 10, "minute": 34}
